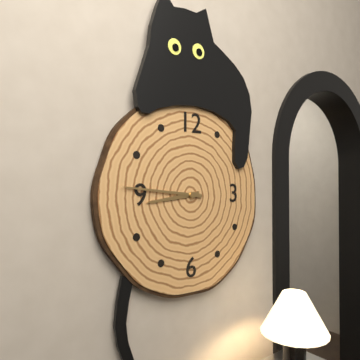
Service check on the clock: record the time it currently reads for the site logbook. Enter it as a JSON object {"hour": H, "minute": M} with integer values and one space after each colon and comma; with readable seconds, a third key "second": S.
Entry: {"hour": 8, "minute": 46}
